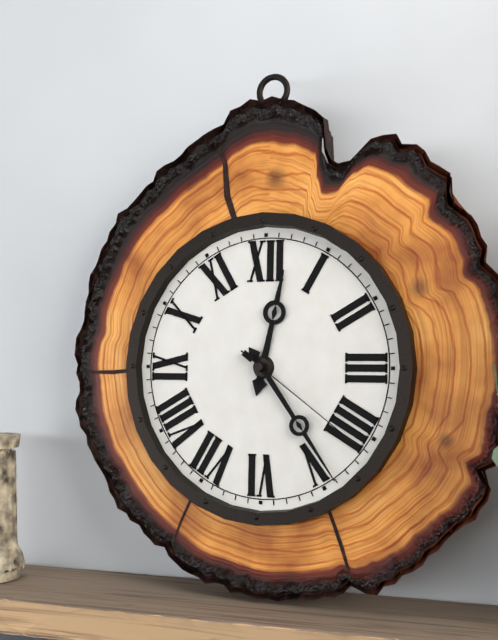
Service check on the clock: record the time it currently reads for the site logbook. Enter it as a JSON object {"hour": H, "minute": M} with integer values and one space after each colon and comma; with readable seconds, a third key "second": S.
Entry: {"hour": 12, "minute": 24, "second": 21}
